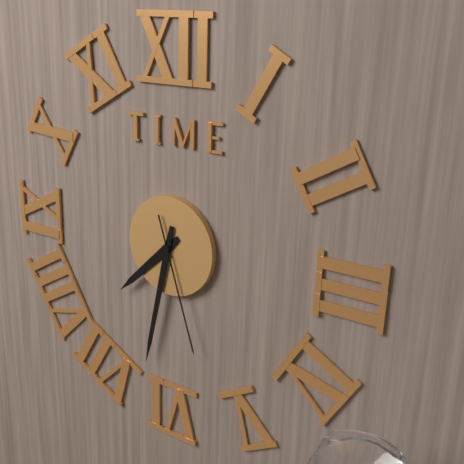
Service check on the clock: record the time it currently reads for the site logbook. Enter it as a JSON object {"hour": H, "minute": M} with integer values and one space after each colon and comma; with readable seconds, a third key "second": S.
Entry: {"hour": 7, "minute": 32, "second": 27}
